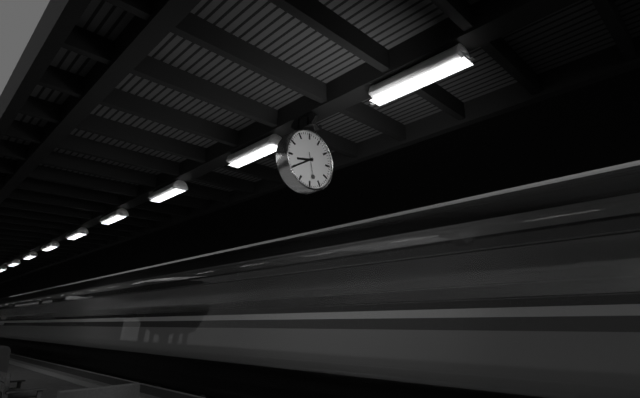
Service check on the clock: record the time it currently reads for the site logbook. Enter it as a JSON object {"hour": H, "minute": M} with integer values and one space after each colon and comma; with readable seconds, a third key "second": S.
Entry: {"hour": 8, "minute": 40}
